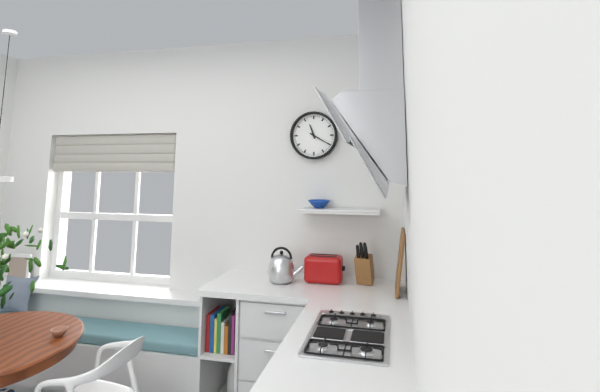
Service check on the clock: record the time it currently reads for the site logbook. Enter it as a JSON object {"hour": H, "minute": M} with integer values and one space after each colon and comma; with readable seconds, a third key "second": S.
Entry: {"hour": 11, "minute": 20}
